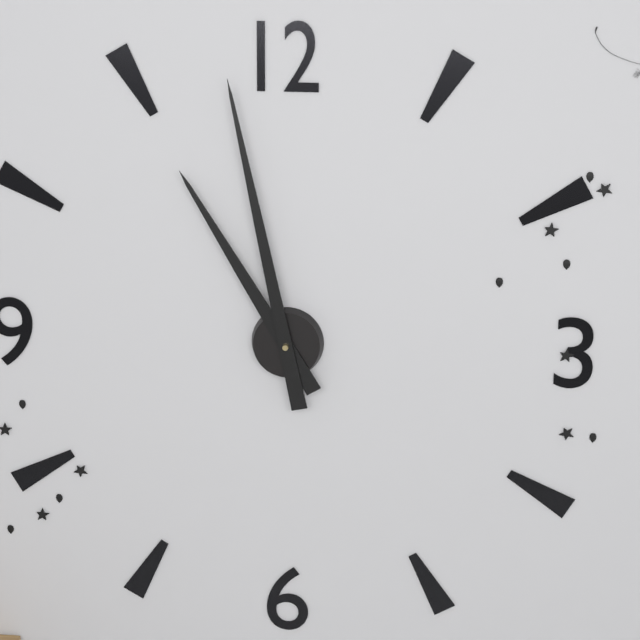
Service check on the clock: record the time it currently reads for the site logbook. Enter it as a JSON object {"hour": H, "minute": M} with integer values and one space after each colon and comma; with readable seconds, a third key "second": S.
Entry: {"hour": 10, "minute": 58}
